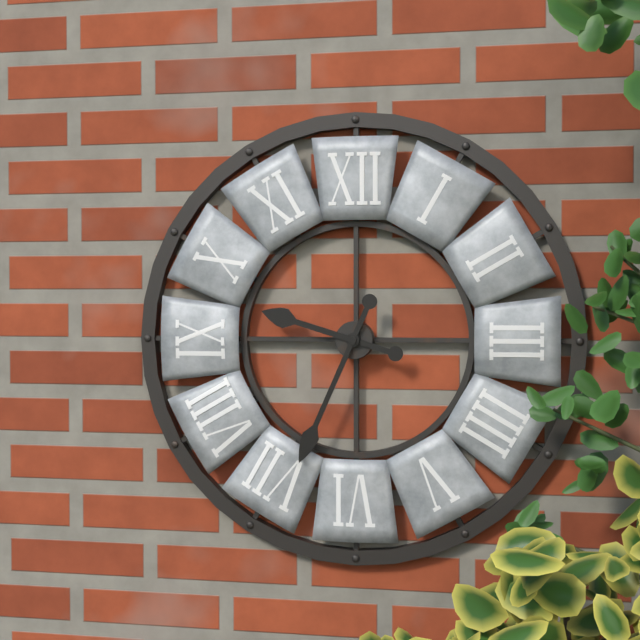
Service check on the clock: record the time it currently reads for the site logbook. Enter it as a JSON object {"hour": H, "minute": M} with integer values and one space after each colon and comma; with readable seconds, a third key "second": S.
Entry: {"hour": 9, "minute": 34}
